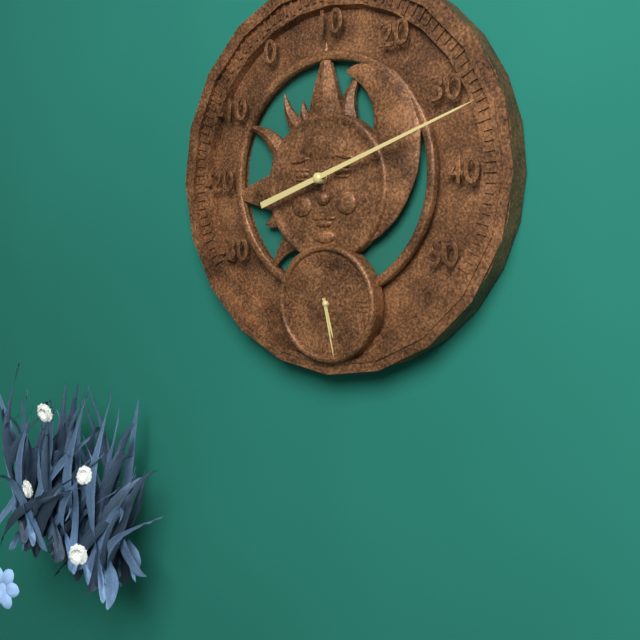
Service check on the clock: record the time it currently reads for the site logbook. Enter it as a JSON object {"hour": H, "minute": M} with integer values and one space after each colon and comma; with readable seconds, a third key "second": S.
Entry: {"hour": 5, "minute": 28}
